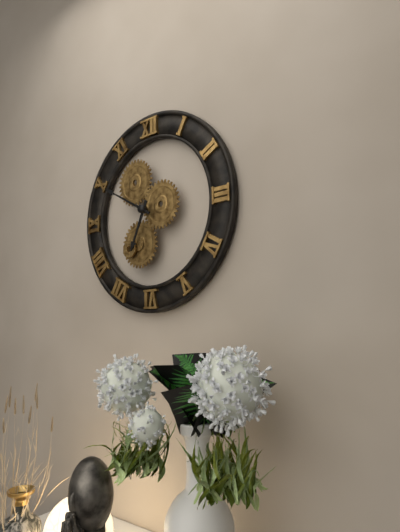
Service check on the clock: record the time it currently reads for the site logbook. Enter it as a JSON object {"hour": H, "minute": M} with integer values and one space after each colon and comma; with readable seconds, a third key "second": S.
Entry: {"hour": 6, "minute": 50}
